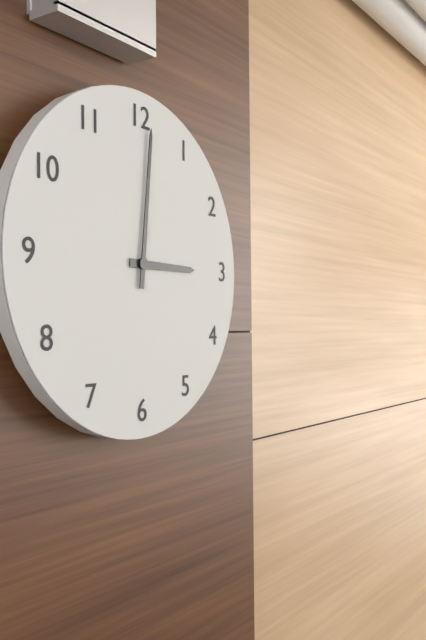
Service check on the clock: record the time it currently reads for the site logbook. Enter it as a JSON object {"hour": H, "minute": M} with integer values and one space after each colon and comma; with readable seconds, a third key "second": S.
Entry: {"hour": 3, "minute": 1}
